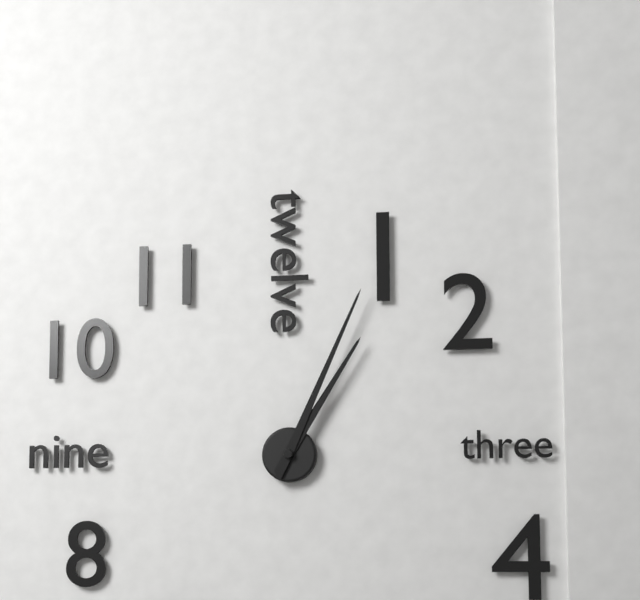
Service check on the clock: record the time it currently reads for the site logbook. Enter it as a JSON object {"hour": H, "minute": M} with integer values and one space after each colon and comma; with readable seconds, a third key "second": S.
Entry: {"hour": 1, "minute": 4}
